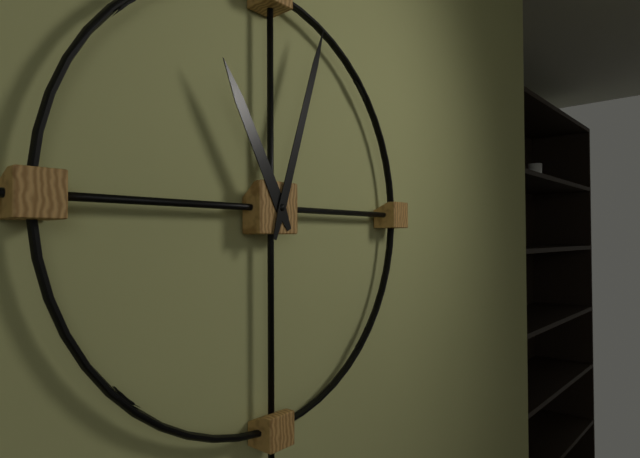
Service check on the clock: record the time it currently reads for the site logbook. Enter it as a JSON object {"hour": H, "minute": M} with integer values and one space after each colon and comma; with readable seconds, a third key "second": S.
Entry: {"hour": 11, "minute": 3}
